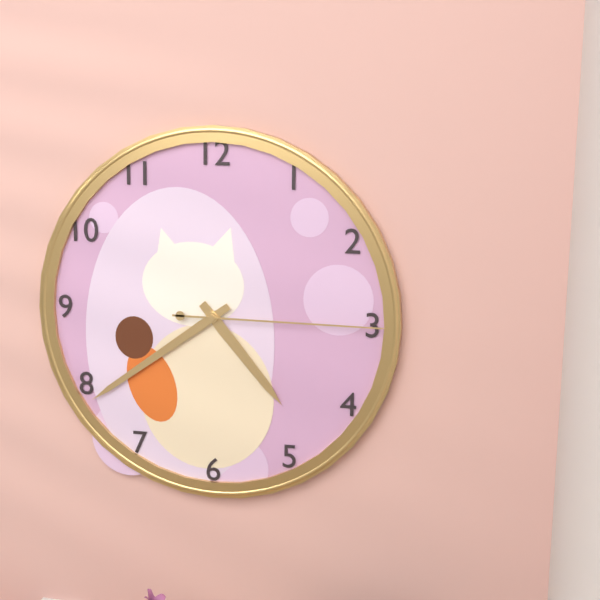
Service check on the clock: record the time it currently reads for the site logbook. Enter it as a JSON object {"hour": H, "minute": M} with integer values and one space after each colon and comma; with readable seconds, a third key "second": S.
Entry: {"hour": 4, "minute": 39, "second": 15}
